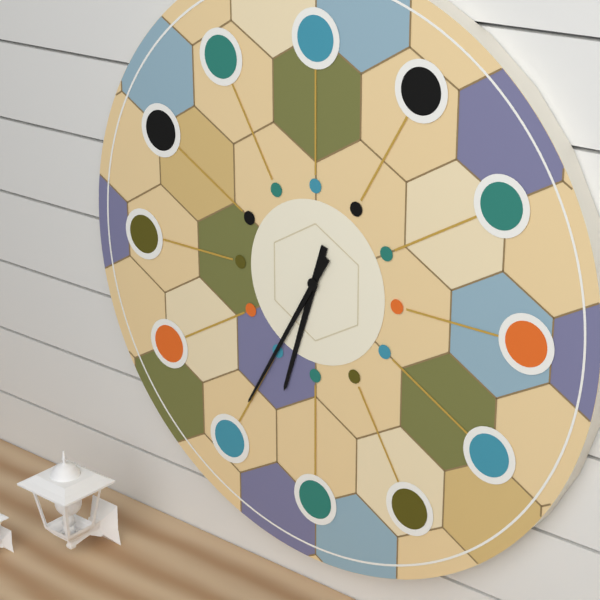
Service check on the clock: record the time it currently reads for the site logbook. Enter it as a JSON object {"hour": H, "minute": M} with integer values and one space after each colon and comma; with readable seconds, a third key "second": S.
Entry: {"hour": 6, "minute": 35}
